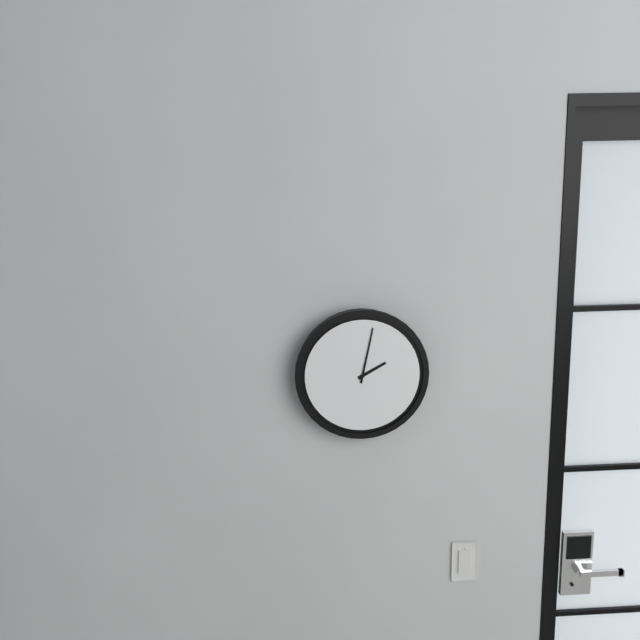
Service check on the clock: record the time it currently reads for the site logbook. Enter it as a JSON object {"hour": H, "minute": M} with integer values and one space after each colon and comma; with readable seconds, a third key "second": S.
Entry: {"hour": 2, "minute": 2}
